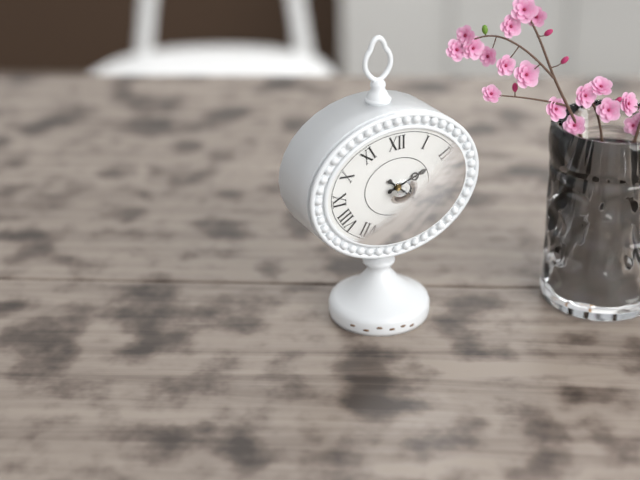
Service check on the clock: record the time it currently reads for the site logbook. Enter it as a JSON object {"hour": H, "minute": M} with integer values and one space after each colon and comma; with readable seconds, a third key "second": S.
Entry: {"hour": 2, "minute": 22}
